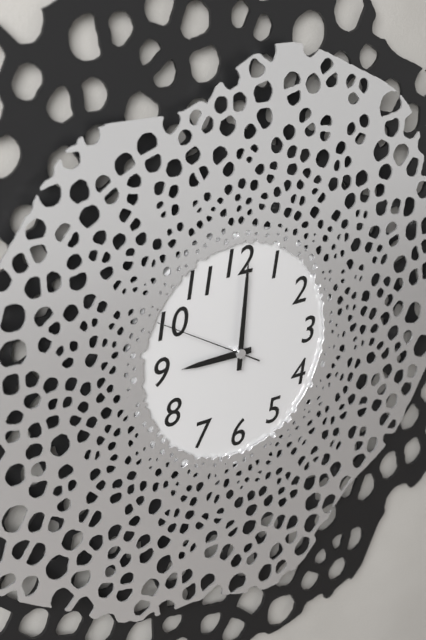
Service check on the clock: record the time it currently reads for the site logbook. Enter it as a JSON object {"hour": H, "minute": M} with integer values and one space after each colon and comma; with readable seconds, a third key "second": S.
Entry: {"hour": 9, "minute": 1, "second": 50}
